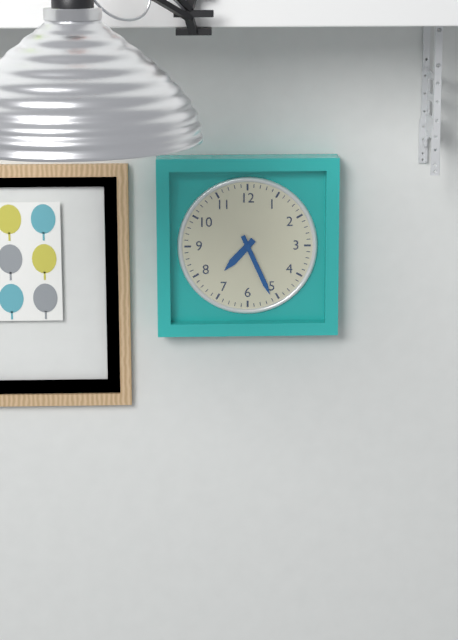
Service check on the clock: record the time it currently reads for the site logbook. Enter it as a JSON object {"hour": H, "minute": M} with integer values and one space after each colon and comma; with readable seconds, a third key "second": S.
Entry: {"hour": 7, "minute": 26}
